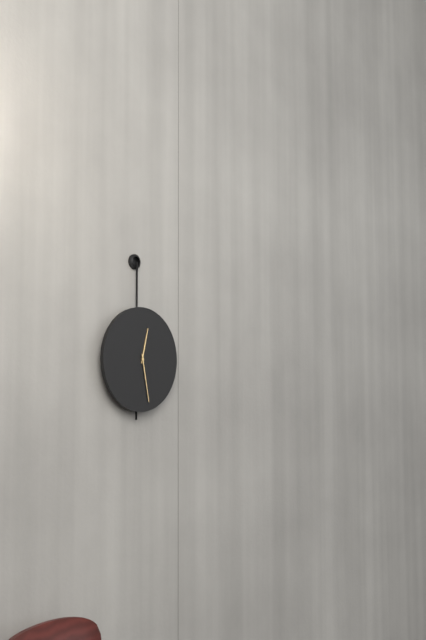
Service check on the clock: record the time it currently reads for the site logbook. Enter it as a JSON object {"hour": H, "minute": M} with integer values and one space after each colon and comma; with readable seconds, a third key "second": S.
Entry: {"hour": 12, "minute": 28}
